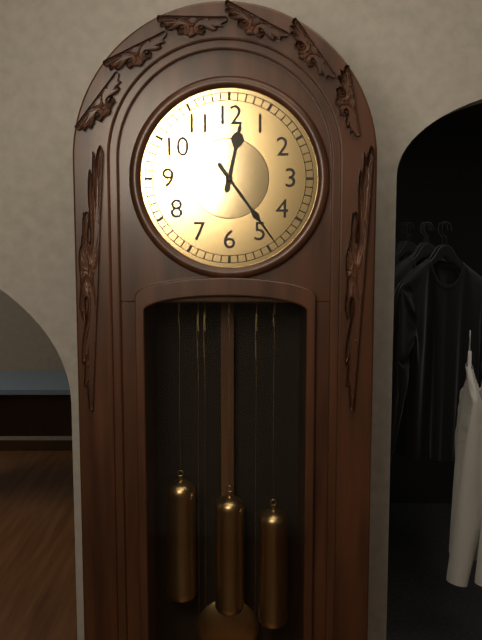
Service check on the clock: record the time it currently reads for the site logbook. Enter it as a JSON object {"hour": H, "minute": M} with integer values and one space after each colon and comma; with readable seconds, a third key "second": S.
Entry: {"hour": 12, "minute": 24}
